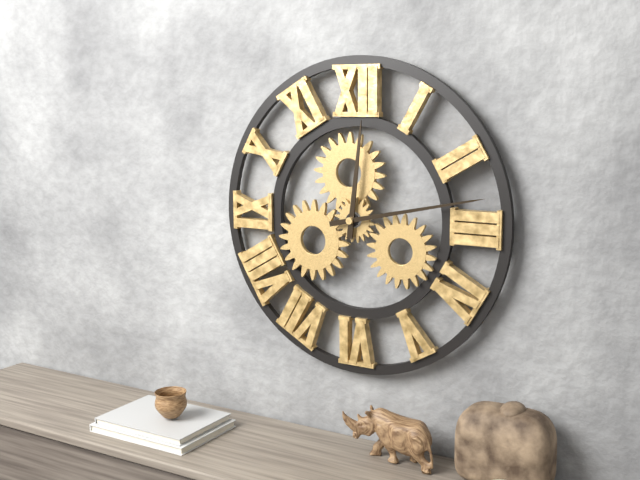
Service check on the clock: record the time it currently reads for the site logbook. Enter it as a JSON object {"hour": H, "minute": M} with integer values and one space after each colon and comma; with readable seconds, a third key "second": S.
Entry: {"hour": 12, "minute": 13}
